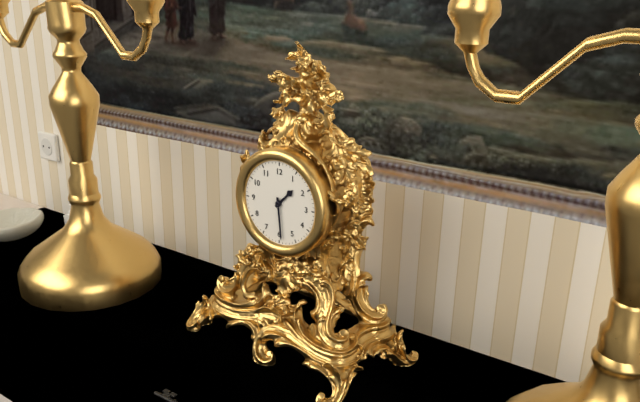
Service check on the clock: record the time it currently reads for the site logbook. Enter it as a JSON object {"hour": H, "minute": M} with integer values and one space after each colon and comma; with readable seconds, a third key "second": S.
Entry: {"hour": 1, "minute": 29}
